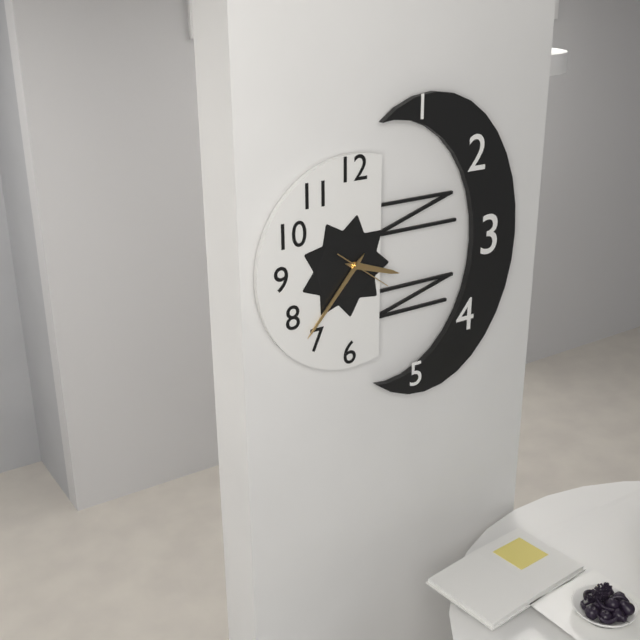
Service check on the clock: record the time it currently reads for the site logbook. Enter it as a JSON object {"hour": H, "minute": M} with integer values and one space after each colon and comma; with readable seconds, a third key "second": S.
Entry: {"hour": 3, "minute": 37, "second": 21}
